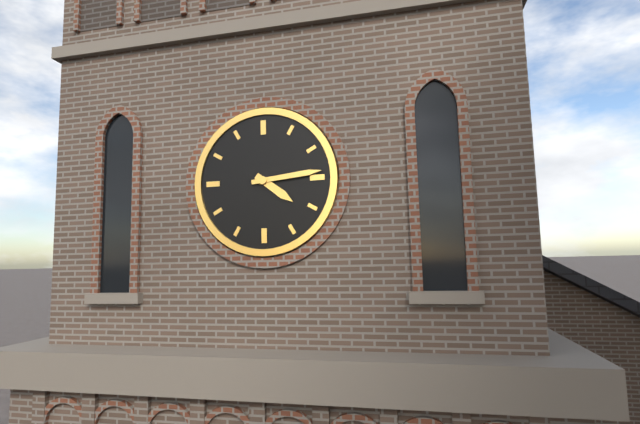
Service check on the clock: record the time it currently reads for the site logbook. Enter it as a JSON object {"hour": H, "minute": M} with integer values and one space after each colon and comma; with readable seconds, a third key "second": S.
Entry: {"hour": 4, "minute": 14}
